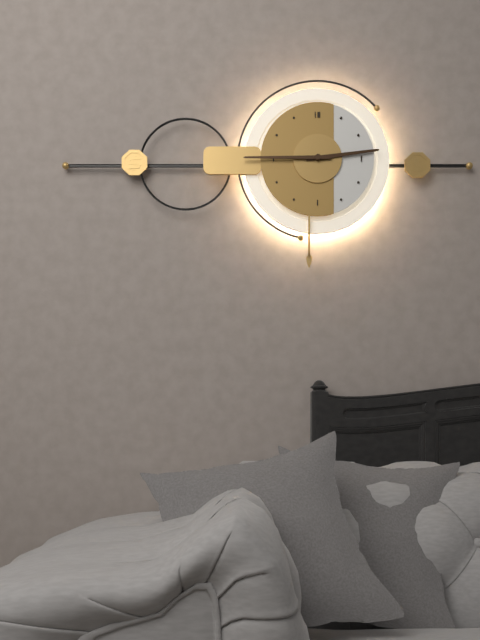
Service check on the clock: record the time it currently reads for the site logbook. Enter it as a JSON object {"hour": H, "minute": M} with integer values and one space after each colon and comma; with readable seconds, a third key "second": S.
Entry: {"hour": 2, "minute": 45}
